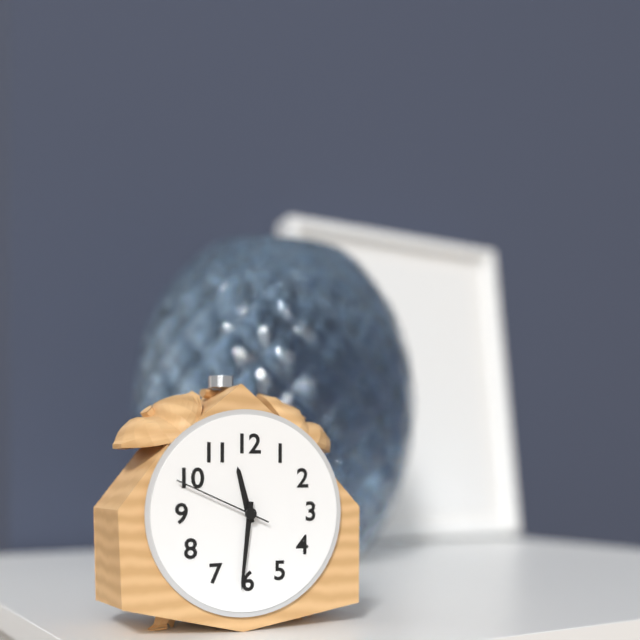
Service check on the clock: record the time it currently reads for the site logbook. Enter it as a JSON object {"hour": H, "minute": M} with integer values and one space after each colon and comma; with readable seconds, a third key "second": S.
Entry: {"hour": 11, "minute": 31, "second": 49}
